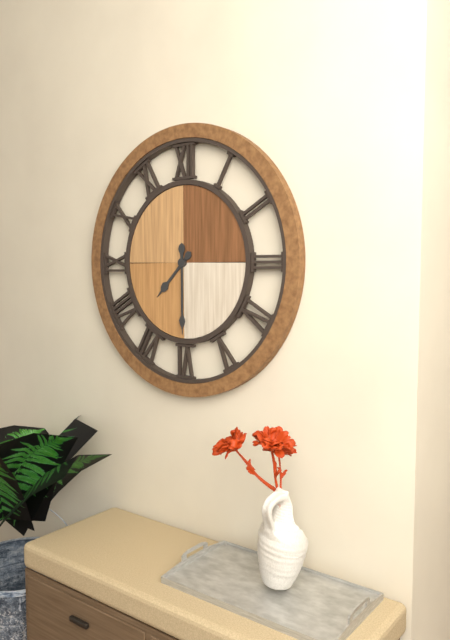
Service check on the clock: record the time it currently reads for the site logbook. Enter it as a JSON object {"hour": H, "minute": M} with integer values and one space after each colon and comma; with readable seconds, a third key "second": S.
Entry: {"hour": 7, "minute": 30}
